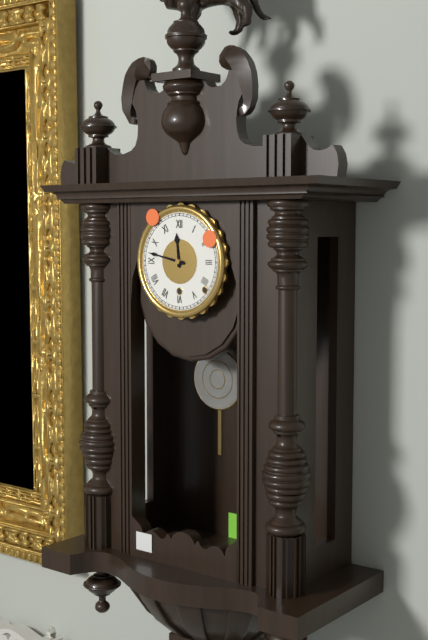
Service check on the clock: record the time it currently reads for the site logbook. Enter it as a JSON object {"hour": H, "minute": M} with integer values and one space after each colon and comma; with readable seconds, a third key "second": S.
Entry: {"hour": 11, "minute": 47}
